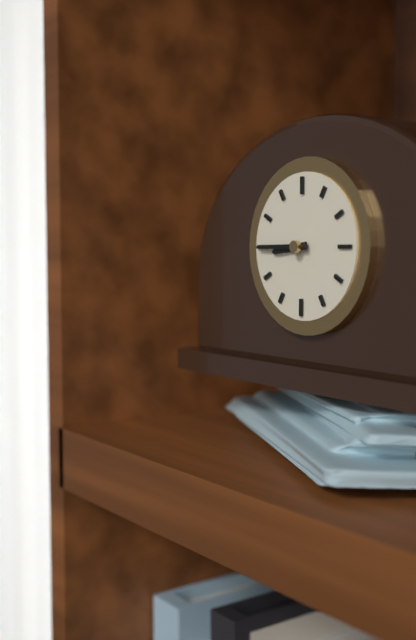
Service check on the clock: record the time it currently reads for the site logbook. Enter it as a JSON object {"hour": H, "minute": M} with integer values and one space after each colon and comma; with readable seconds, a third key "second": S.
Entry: {"hour": 8, "minute": 45}
